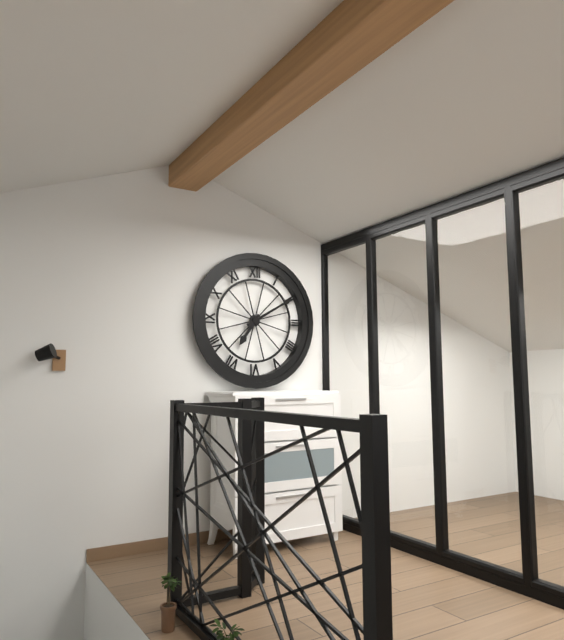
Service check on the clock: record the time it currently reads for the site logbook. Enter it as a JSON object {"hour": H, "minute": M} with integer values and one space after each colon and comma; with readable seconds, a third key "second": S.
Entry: {"hour": 7, "minute": 10}
